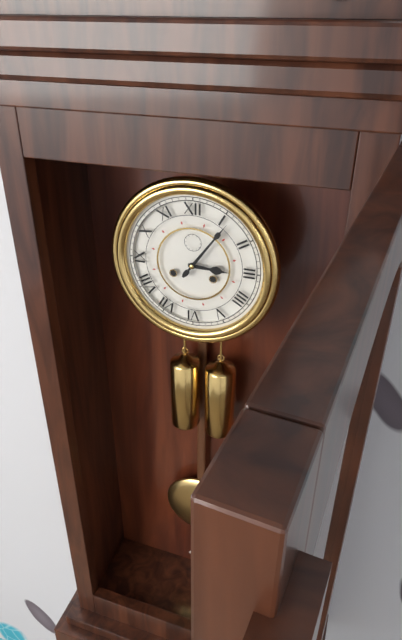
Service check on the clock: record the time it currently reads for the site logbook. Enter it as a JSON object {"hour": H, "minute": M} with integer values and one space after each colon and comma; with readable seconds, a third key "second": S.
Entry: {"hour": 3, "minute": 6}
